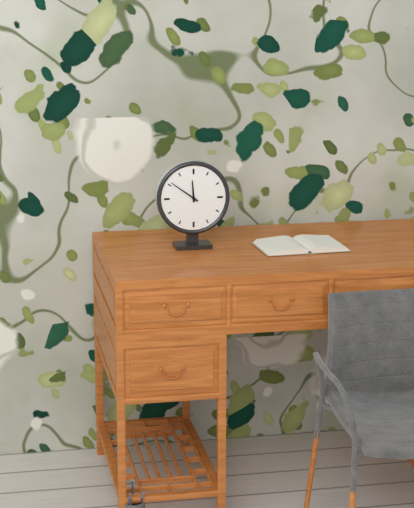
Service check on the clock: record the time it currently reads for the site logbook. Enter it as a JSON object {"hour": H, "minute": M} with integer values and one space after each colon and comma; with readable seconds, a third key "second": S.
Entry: {"hour": 11, "minute": 51}
